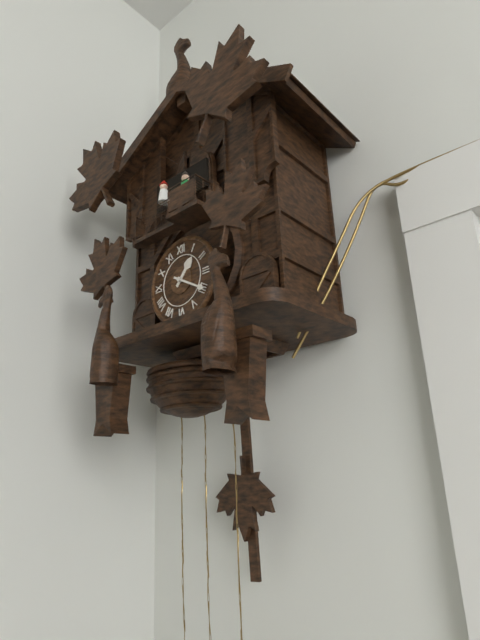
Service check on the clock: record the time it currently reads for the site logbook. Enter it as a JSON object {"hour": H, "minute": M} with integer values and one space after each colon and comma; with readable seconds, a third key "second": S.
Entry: {"hour": 1, "minute": 20}
